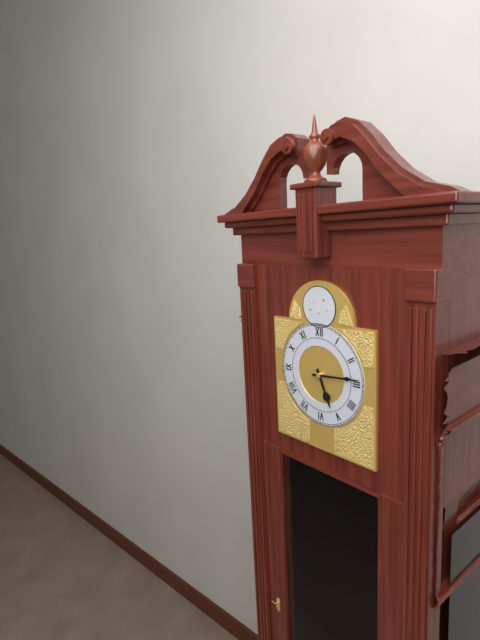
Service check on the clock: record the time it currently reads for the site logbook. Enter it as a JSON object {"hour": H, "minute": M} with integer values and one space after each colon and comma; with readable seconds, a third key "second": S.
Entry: {"hour": 5, "minute": 14}
